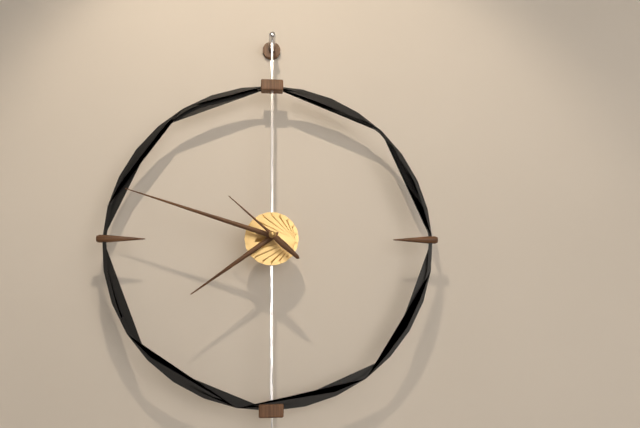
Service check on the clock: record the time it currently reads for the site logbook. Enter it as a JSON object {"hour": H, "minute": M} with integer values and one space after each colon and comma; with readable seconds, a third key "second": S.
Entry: {"hour": 7, "minute": 48, "second": 52}
